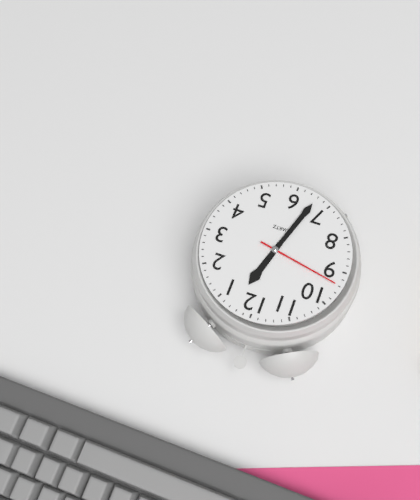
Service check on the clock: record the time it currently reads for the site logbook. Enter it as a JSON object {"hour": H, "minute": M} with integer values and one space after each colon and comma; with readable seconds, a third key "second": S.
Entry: {"hour": 12, "minute": 33, "second": 47}
